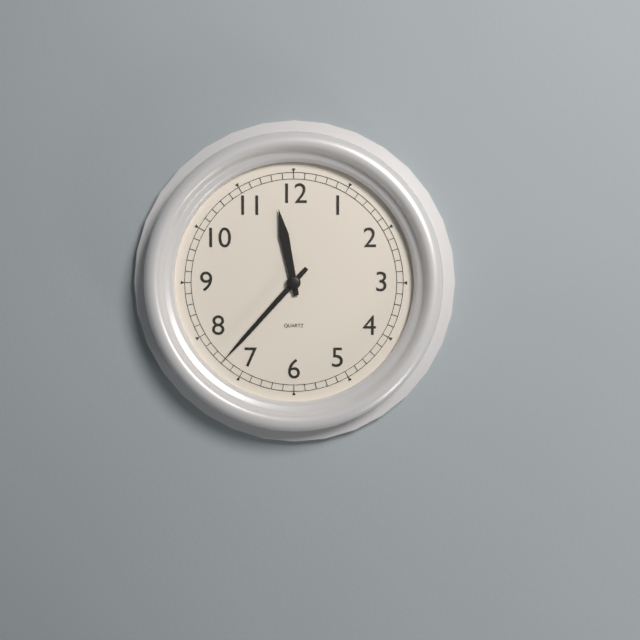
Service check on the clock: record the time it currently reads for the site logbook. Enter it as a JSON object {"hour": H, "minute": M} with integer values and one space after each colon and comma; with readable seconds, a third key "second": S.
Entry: {"hour": 11, "minute": 37}
